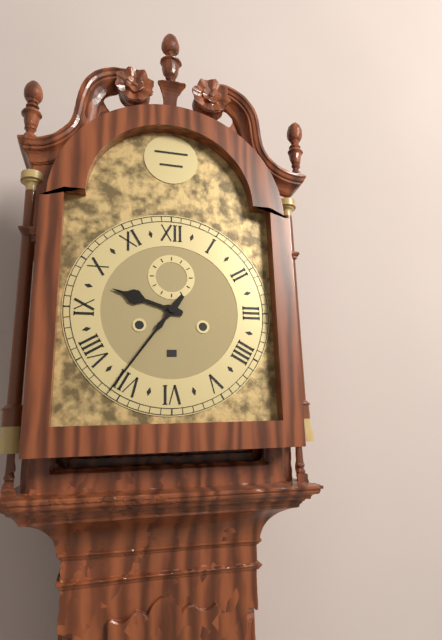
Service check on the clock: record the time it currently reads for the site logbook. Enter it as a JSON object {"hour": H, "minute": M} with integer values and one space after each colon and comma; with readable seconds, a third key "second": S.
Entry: {"hour": 9, "minute": 36}
